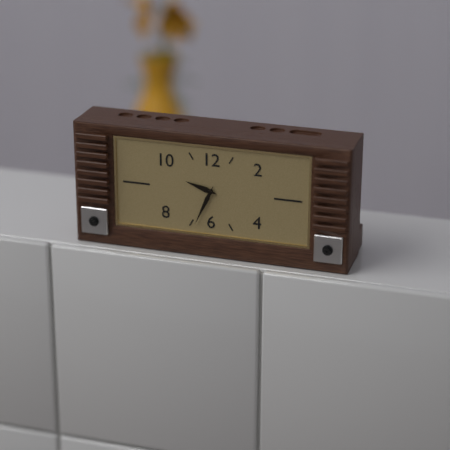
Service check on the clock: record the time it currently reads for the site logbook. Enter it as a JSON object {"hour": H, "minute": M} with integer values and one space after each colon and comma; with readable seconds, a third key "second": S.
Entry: {"hour": 9, "minute": 34}
